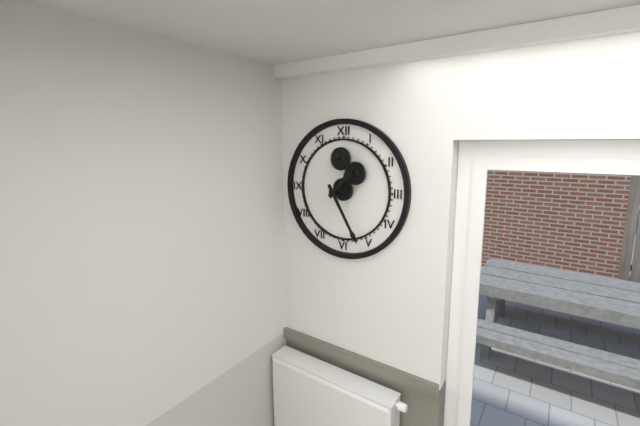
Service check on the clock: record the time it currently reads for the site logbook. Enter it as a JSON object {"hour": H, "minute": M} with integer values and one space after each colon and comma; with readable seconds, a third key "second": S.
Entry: {"hour": 1, "minute": 25}
